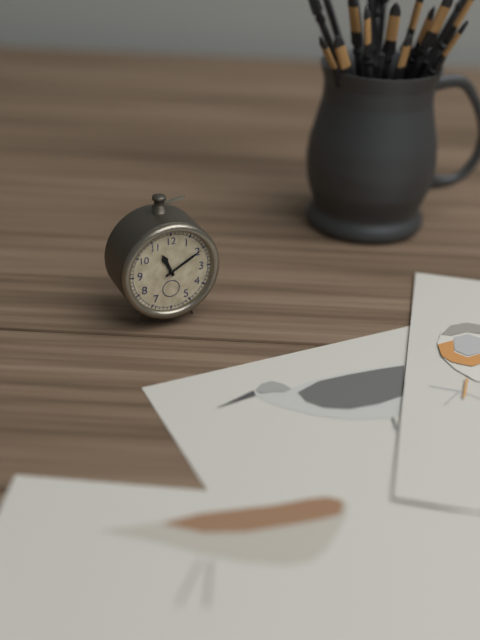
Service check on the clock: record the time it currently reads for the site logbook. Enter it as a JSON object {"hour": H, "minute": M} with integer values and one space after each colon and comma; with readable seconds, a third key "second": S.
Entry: {"hour": 11, "minute": 10}
